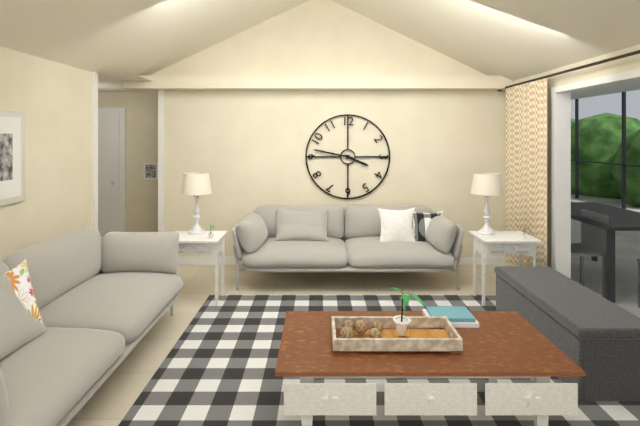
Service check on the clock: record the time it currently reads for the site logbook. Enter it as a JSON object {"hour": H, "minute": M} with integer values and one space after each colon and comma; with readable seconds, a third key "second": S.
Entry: {"hour": 3, "minute": 47}
